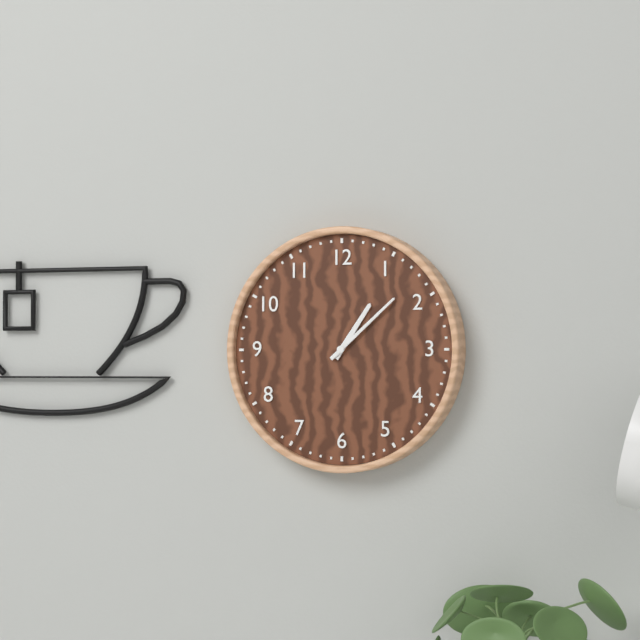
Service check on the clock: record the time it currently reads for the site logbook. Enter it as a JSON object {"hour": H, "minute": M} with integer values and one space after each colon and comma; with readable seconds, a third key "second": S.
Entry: {"hour": 1, "minute": 8}
